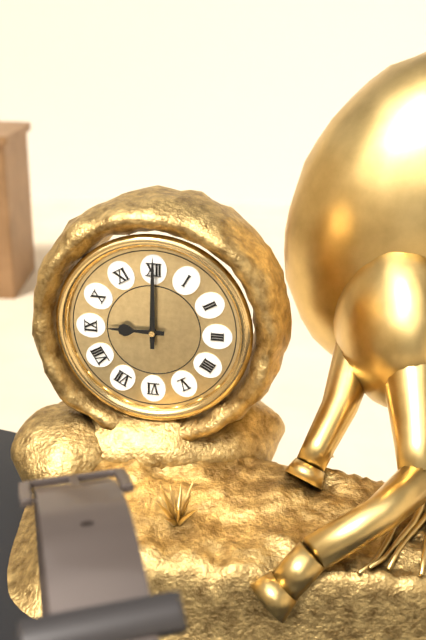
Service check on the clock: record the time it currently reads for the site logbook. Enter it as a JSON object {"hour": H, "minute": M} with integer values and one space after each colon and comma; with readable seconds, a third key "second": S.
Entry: {"hour": 9, "minute": 0}
